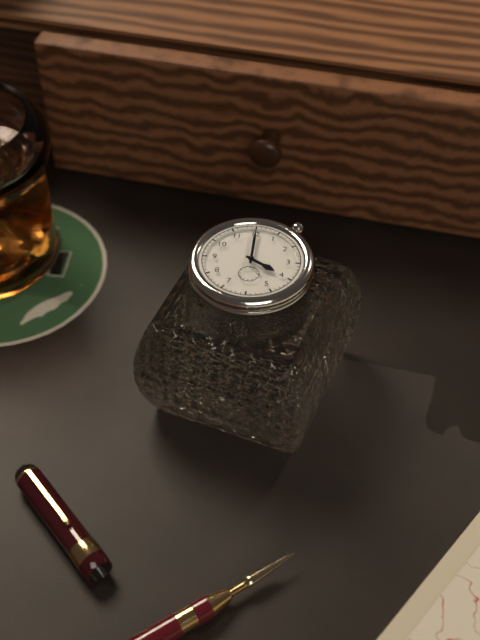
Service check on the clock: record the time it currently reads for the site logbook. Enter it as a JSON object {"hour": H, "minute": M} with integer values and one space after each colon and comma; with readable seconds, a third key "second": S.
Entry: {"hour": 4, "minute": 0}
